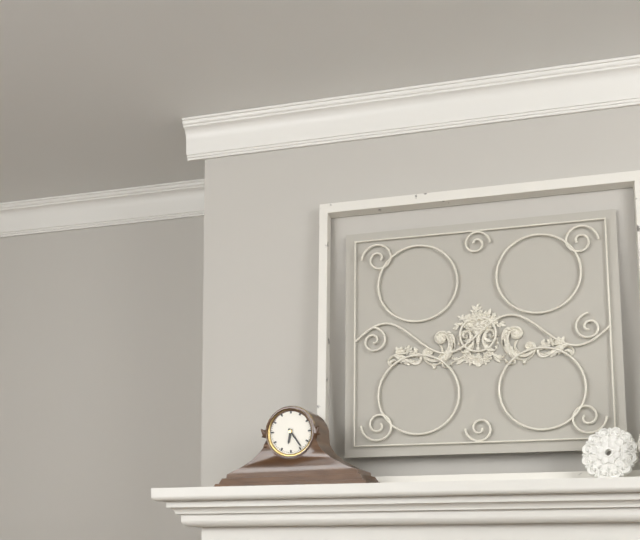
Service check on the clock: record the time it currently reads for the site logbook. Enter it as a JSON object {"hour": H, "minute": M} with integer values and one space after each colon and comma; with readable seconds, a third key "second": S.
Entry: {"hour": 6, "minute": 24}
